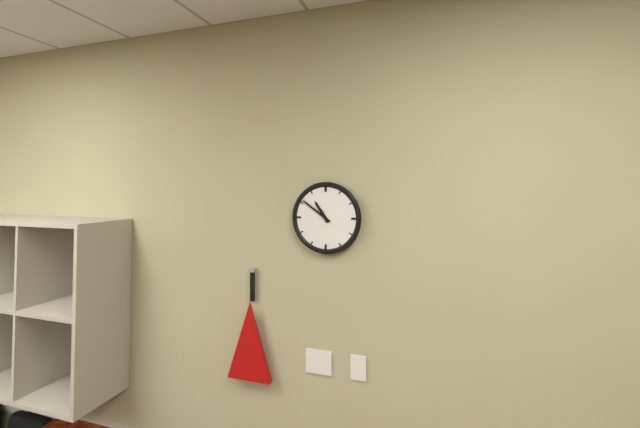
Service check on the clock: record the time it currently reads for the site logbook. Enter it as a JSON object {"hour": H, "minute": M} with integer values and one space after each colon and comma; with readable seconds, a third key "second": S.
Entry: {"hour": 10, "minute": 51}
